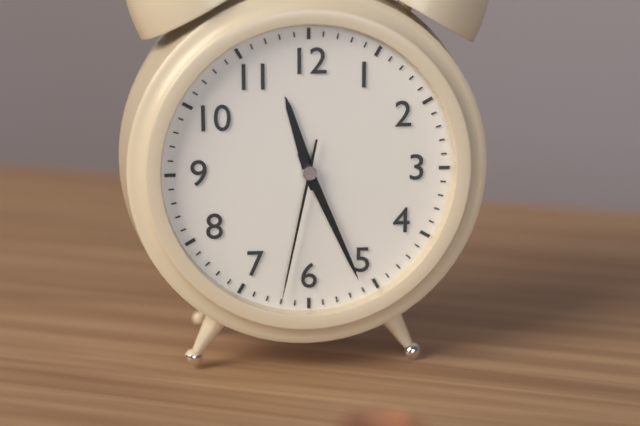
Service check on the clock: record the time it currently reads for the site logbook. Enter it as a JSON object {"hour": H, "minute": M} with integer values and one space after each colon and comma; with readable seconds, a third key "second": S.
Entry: {"hour": 11, "minute": 26, "second": 32}
